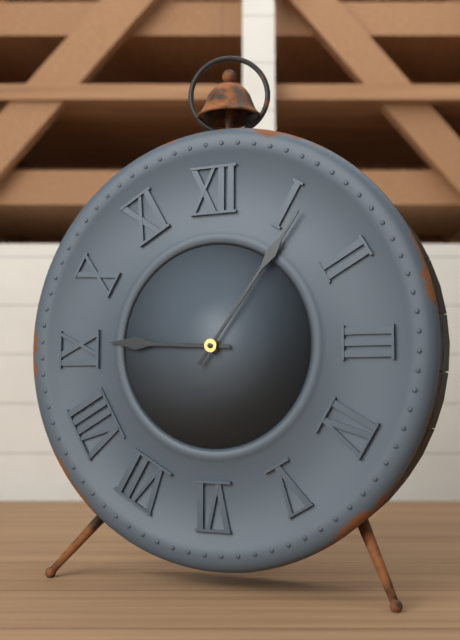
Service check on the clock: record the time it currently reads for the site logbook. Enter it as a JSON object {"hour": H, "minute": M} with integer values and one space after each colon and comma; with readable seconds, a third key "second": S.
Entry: {"hour": 9, "minute": 6}
